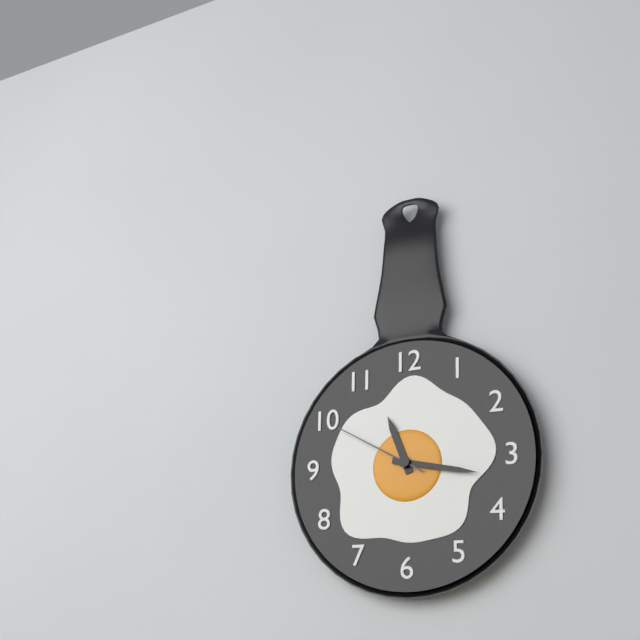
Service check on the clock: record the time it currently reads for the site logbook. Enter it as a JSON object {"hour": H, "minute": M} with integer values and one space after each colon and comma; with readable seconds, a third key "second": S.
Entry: {"hour": 11, "minute": 17, "second": 50}
